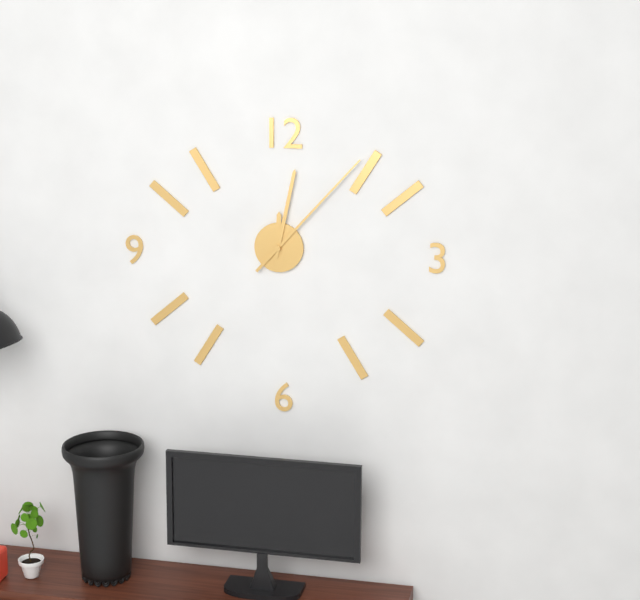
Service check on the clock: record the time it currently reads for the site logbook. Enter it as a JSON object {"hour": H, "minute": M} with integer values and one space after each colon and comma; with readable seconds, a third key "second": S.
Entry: {"hour": 12, "minute": 2, "second": 7}
